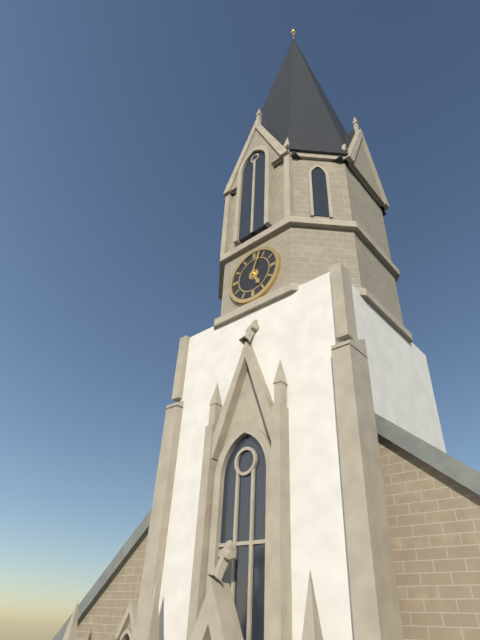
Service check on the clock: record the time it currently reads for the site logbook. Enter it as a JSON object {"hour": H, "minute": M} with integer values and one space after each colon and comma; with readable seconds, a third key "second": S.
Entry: {"hour": 5, "minute": 3}
